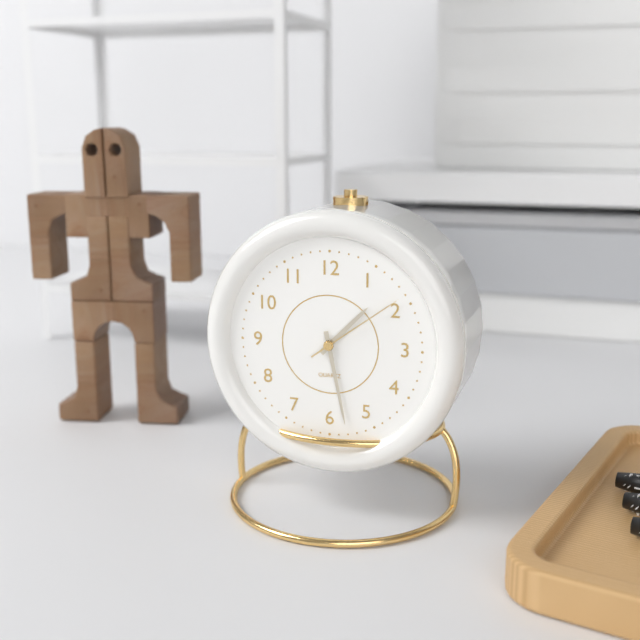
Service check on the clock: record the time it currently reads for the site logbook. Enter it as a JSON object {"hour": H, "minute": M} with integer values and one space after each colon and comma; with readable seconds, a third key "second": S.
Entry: {"hour": 1, "minute": 28, "second": 9}
